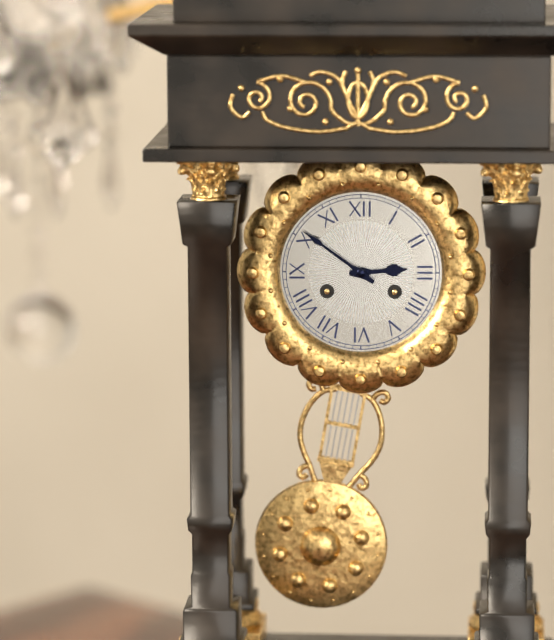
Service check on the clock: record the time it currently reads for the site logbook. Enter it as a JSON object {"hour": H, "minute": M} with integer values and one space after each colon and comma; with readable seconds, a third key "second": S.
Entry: {"hour": 2, "minute": 51}
